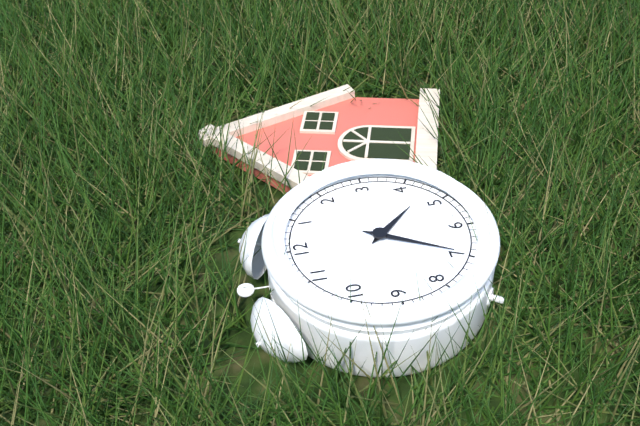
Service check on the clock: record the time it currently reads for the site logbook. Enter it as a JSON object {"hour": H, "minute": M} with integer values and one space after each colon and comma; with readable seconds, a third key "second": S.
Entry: {"hour": 4, "minute": 35}
